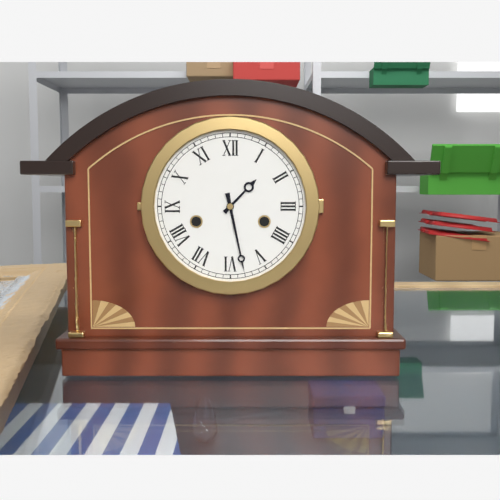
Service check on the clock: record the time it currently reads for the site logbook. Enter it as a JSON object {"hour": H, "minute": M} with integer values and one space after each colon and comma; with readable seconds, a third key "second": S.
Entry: {"hour": 1, "minute": 28}
